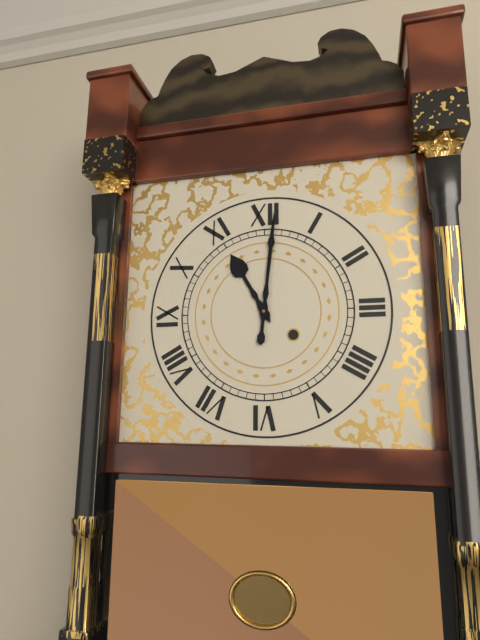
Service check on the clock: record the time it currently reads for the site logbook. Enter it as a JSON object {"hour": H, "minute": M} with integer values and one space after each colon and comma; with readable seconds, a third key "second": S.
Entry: {"hour": 11, "minute": 1}
